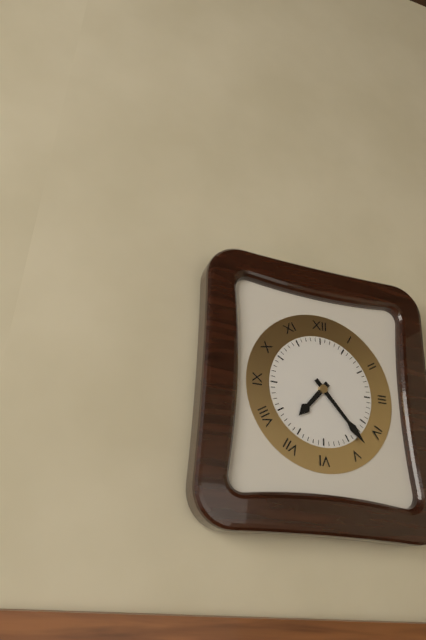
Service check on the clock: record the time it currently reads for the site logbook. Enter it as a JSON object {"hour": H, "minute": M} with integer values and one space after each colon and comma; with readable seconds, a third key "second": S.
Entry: {"hour": 7, "minute": 23}
